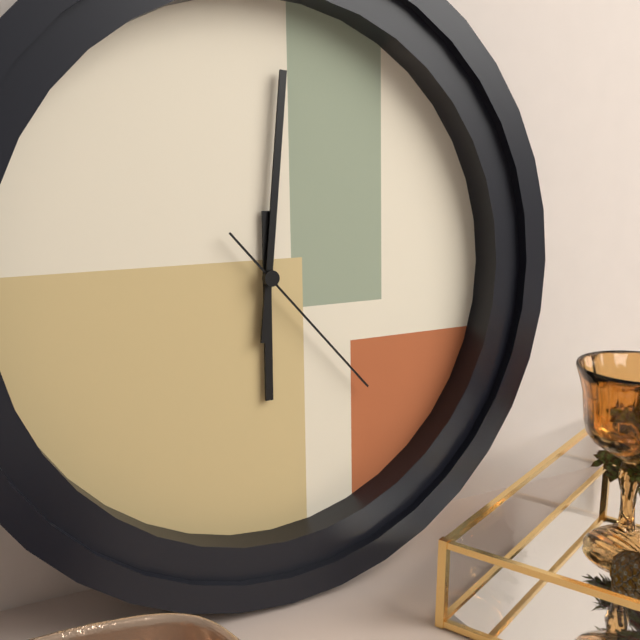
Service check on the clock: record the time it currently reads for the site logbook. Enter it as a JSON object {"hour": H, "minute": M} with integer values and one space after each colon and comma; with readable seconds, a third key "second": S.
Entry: {"hour": 6, "minute": 1, "second": 23}
